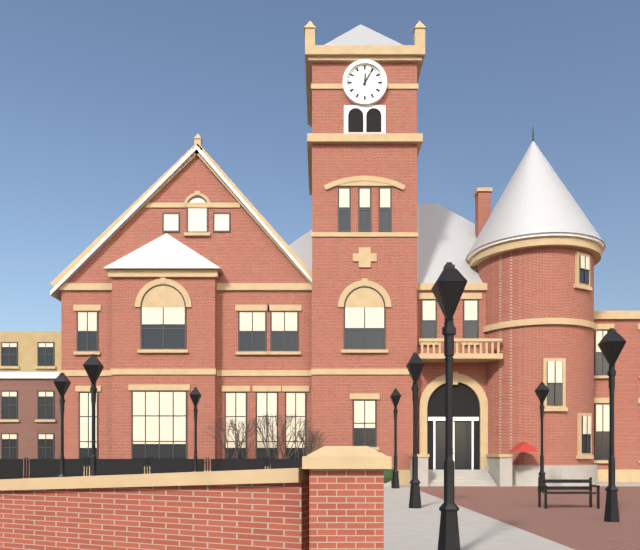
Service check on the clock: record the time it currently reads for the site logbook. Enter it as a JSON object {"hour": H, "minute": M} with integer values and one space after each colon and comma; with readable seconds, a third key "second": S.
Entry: {"hour": 12, "minute": 5}
